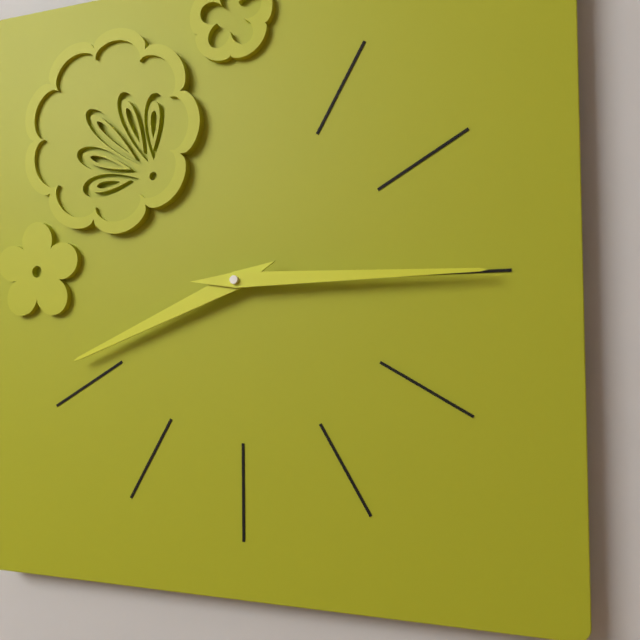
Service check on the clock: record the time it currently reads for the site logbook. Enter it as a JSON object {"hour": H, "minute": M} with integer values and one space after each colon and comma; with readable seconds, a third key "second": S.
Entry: {"hour": 8, "minute": 15}
